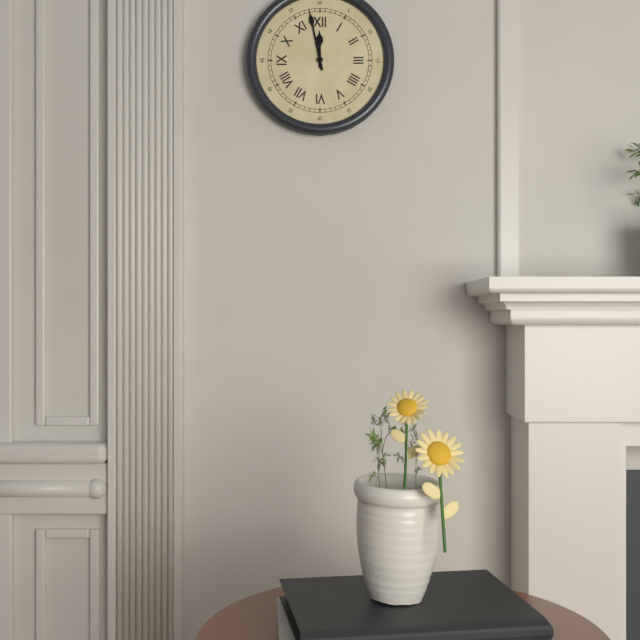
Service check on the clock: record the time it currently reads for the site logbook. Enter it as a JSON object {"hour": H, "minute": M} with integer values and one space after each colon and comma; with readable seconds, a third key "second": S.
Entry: {"hour": 11, "minute": 58}
